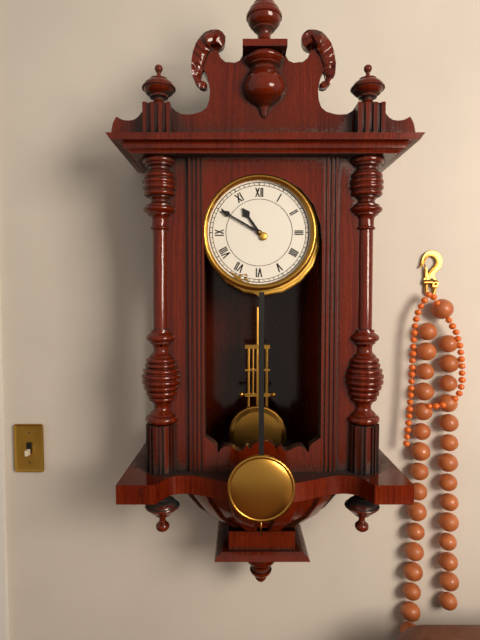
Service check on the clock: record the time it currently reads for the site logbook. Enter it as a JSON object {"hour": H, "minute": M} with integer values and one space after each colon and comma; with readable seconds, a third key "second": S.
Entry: {"hour": 10, "minute": 50}
